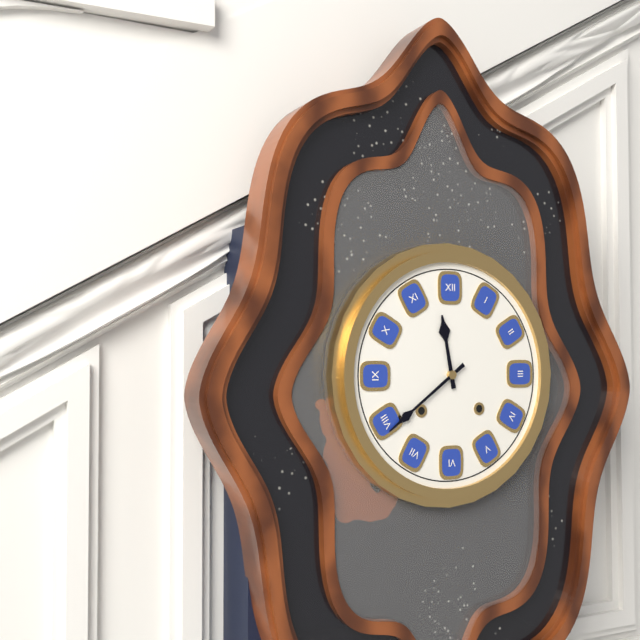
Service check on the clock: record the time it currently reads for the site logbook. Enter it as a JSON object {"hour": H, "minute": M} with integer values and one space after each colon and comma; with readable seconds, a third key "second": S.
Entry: {"hour": 11, "minute": 39}
